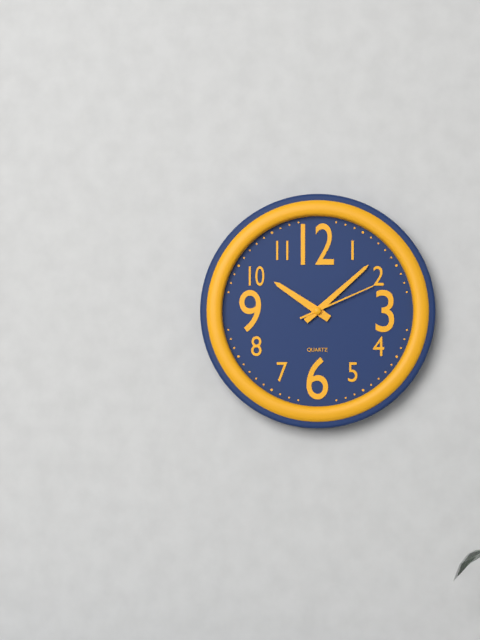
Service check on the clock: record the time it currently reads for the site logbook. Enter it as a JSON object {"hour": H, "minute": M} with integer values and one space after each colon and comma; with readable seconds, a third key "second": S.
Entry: {"hour": 10, "minute": 8, "second": 11}
